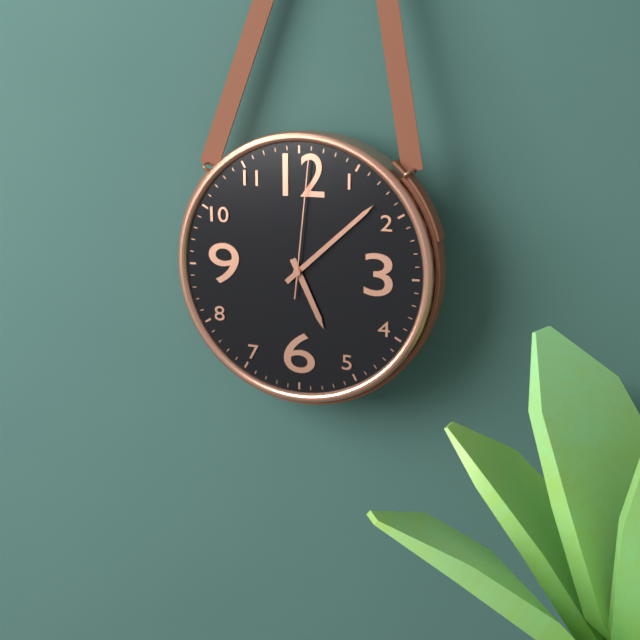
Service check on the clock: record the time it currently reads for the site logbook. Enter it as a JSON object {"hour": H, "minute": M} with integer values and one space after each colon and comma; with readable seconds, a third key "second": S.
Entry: {"hour": 5, "minute": 8, "second": 1}
